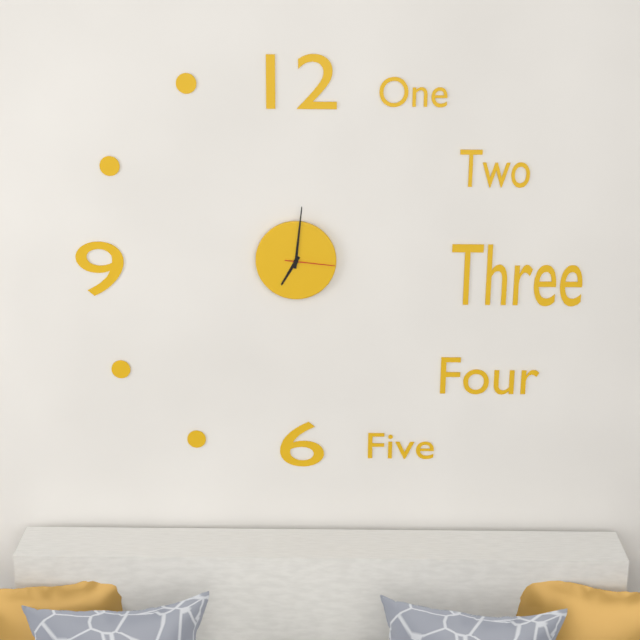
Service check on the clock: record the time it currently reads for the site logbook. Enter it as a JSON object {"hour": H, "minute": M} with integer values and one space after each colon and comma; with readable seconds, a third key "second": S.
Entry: {"hour": 7, "minute": 1}
